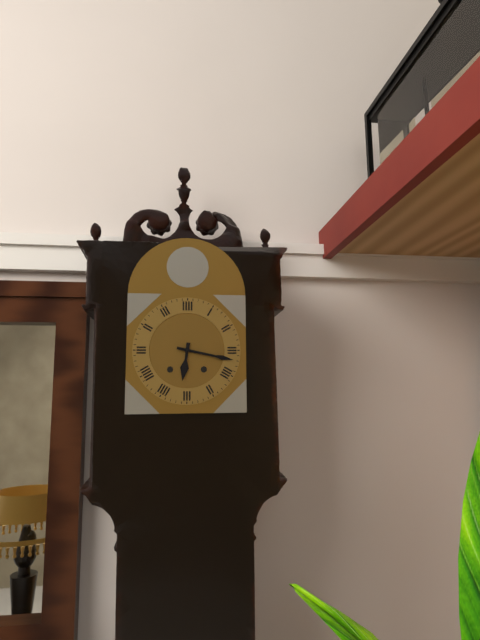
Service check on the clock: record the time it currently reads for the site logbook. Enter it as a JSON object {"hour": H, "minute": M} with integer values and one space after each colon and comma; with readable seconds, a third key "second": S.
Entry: {"hour": 6, "minute": 17}
